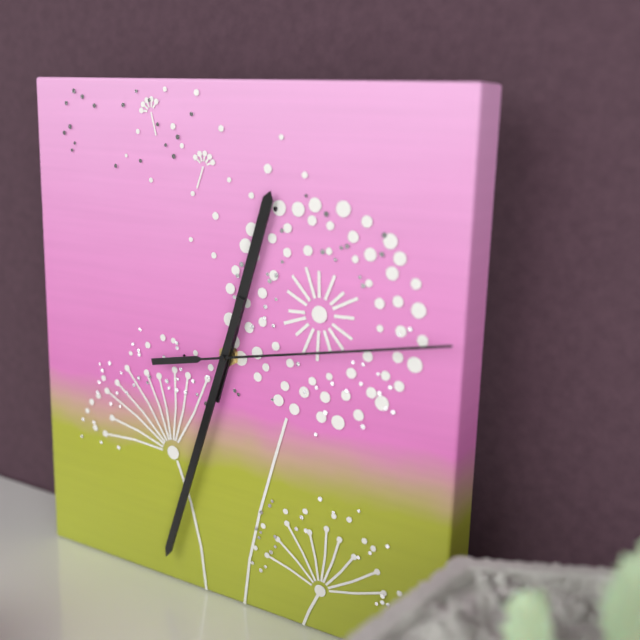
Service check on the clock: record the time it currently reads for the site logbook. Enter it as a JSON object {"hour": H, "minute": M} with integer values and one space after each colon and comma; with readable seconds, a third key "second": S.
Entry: {"hour": 12, "minute": 33, "second": 13}
